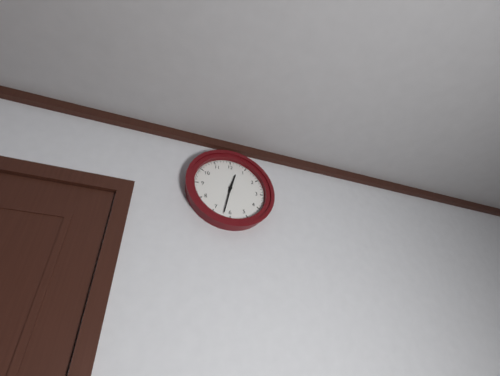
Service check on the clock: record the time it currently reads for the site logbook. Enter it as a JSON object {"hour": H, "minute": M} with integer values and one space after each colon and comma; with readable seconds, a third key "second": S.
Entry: {"hour": 12, "minute": 32}
